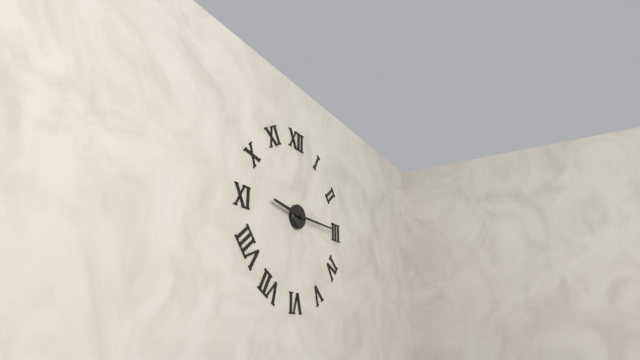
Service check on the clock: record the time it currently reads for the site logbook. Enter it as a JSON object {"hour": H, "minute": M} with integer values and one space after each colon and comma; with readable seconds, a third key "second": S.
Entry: {"hour": 9, "minute": 15}
